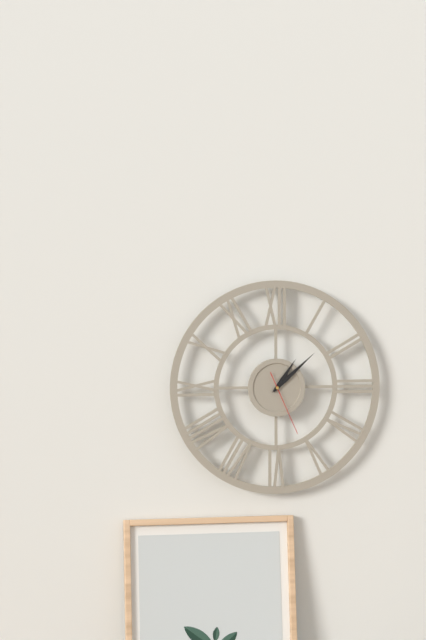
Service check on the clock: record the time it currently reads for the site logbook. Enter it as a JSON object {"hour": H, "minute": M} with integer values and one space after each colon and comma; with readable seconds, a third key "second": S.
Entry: {"hour": 1, "minute": 8, "second": 26}
